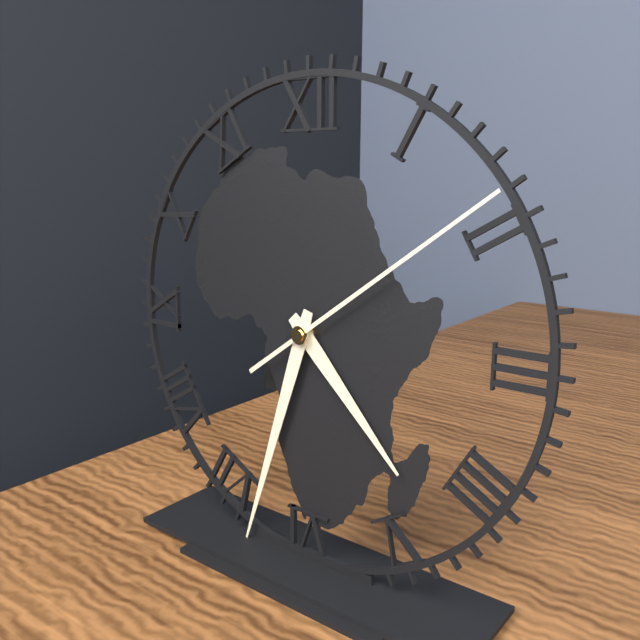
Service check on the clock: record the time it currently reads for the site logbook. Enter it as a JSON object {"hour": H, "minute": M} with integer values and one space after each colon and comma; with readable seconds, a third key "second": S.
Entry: {"hour": 4, "minute": 33, "second": 9}
